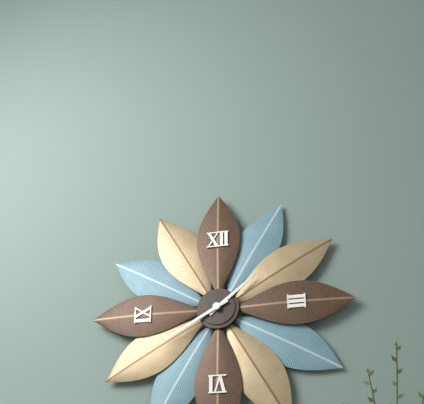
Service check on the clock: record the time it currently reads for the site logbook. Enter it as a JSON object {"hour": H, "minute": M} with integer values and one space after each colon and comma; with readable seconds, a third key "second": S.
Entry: {"hour": 1, "minute": 40}
